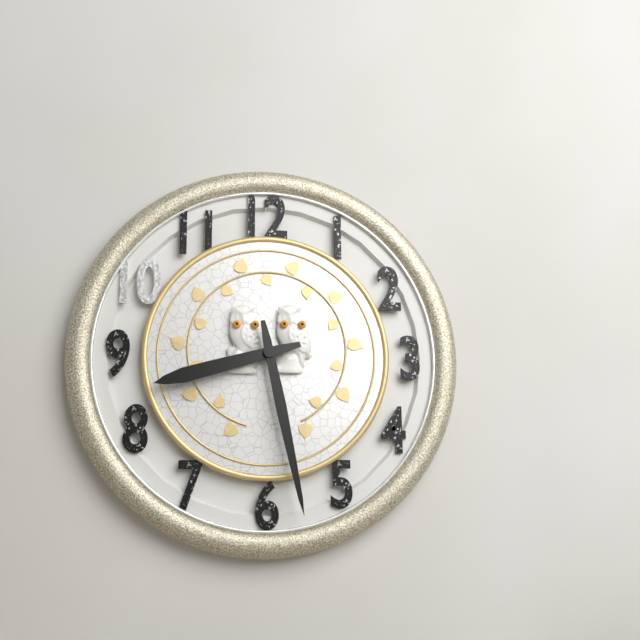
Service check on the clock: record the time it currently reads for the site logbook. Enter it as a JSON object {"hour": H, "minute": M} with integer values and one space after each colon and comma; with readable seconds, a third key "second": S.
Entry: {"hour": 8, "minute": 28}
